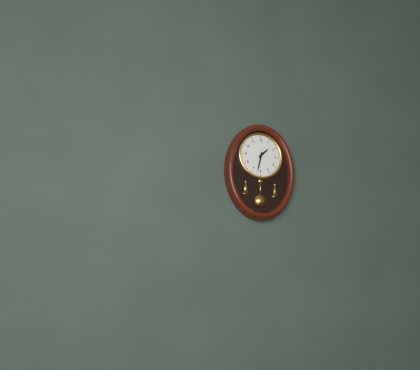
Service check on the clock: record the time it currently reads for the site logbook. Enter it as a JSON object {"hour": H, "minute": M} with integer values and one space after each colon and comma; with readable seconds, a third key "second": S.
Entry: {"hour": 1, "minute": 32}
